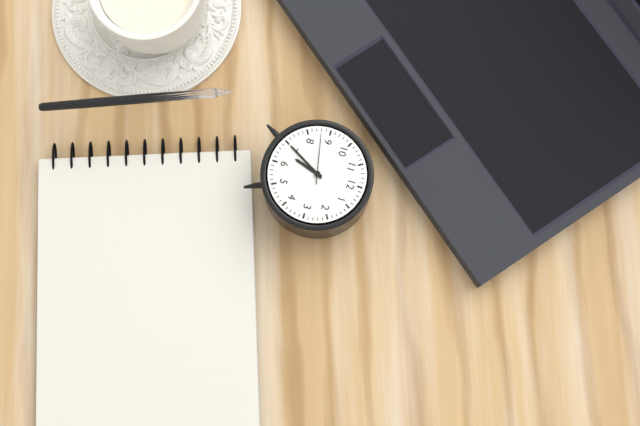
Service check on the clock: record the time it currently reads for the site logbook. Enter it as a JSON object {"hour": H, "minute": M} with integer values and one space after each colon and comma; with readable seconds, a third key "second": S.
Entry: {"hour": 6, "minute": 35, "second": 43}
